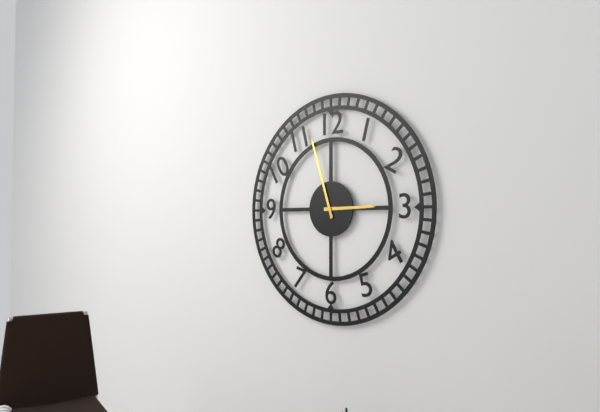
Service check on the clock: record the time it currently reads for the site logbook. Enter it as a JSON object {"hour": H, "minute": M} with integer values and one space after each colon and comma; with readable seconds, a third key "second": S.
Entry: {"hour": 2, "minute": 57}
